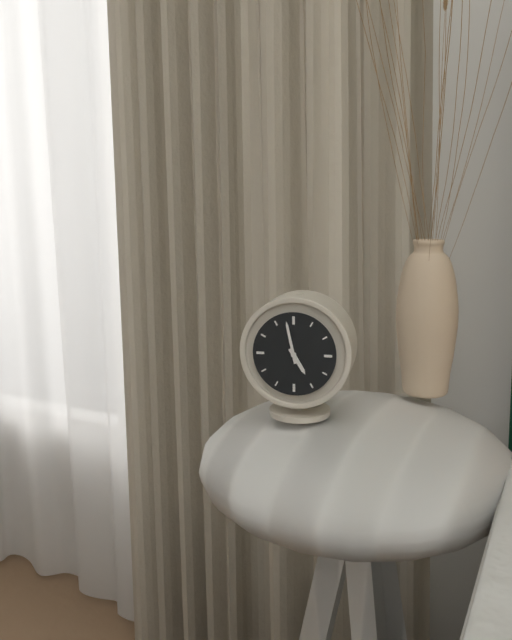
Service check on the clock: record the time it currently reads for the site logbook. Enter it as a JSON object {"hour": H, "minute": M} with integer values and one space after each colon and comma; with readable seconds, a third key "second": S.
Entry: {"hour": 4, "minute": 58}
